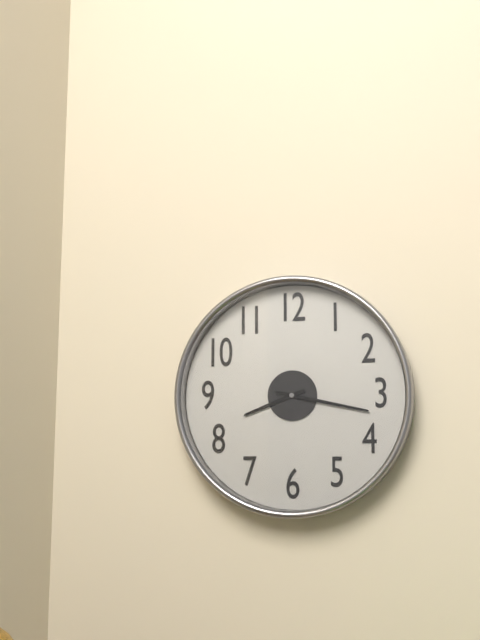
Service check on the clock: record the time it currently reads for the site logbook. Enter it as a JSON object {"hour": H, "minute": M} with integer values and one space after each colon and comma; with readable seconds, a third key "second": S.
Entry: {"hour": 8, "minute": 17}
